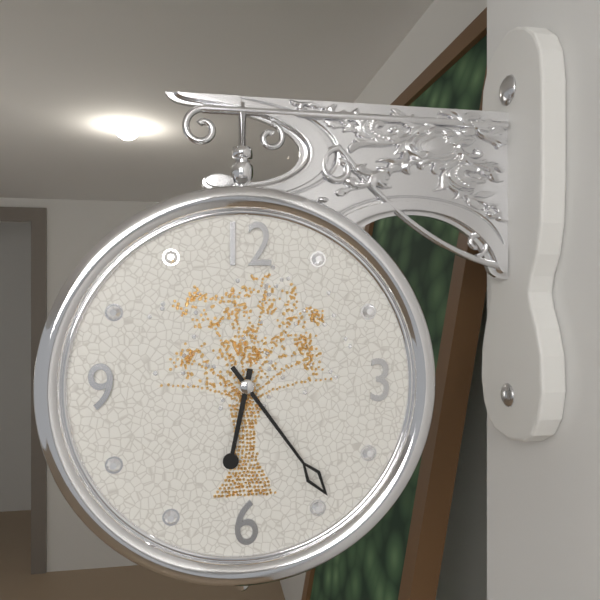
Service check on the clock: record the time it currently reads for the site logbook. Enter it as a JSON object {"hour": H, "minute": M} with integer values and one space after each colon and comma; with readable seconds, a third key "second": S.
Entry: {"hour": 6, "minute": 24}
